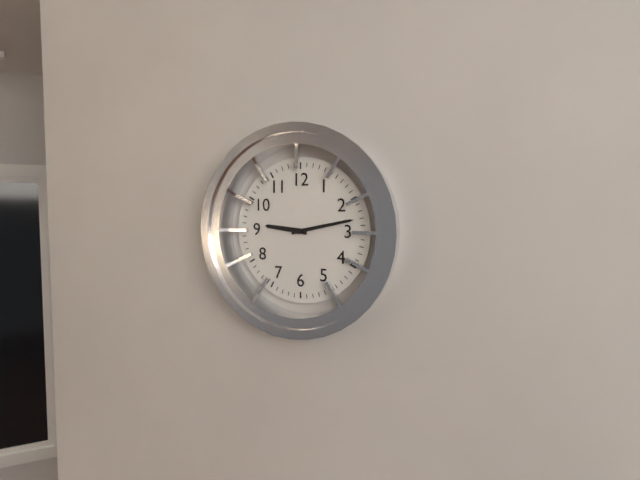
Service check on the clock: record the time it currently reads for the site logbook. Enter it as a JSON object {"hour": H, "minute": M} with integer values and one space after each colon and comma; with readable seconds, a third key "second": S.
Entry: {"hour": 9, "minute": 13}
